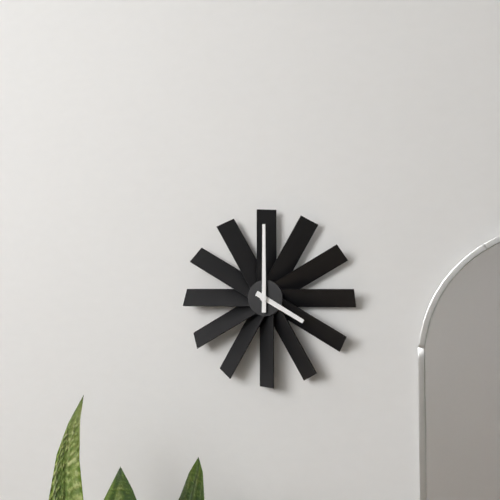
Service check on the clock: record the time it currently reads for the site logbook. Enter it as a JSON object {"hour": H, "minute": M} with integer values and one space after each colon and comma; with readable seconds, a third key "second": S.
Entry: {"hour": 4, "minute": 0}
